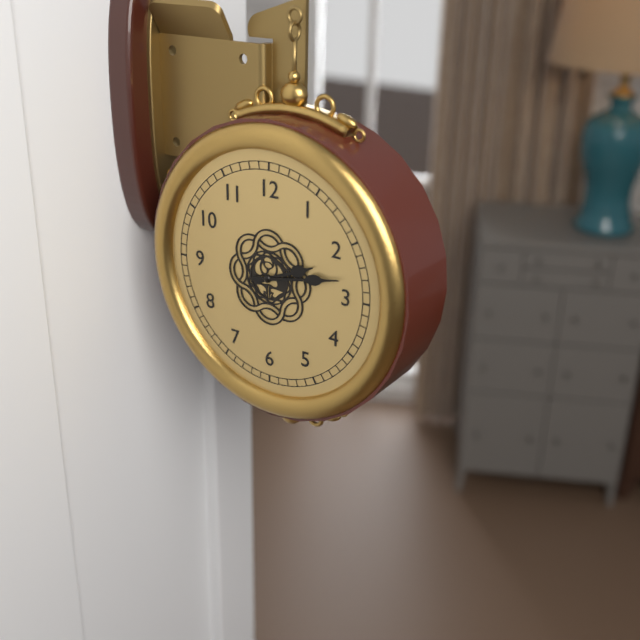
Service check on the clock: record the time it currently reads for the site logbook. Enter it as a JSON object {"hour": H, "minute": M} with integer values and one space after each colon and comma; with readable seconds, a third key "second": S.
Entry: {"hour": 2, "minute": 13}
